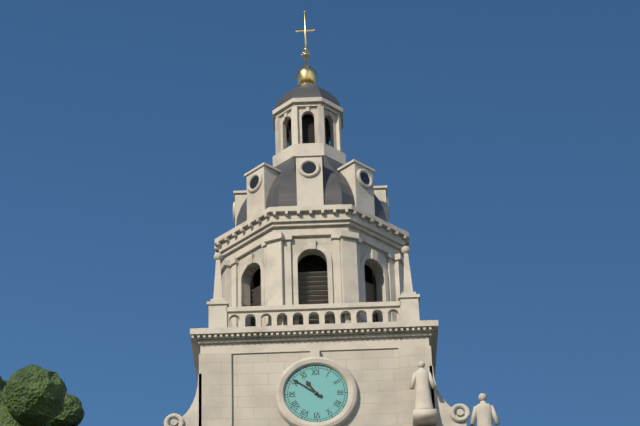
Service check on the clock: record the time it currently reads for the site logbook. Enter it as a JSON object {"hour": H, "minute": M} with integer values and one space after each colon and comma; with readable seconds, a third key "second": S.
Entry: {"hour": 10, "minute": 51}
